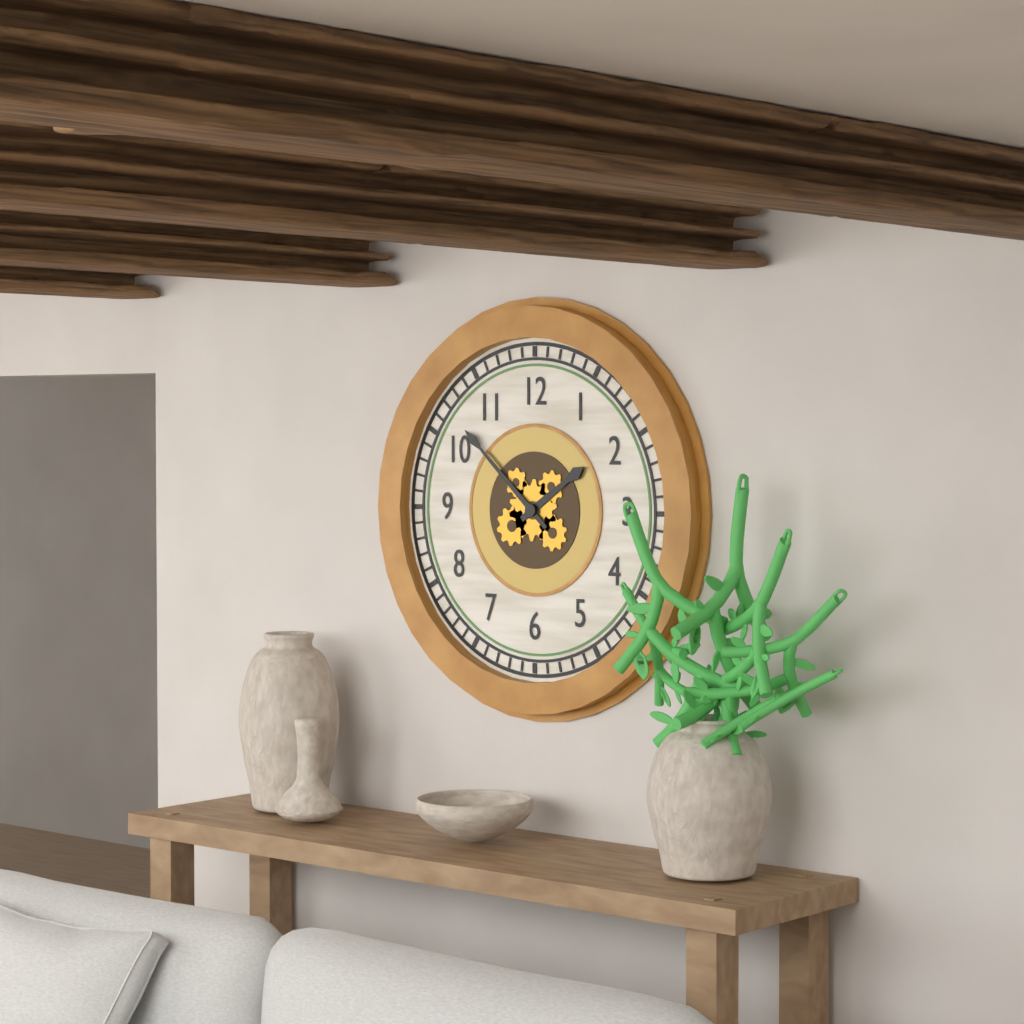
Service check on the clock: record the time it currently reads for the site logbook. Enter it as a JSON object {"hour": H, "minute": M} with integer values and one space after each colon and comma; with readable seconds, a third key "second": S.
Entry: {"hour": 1, "minute": 52}
